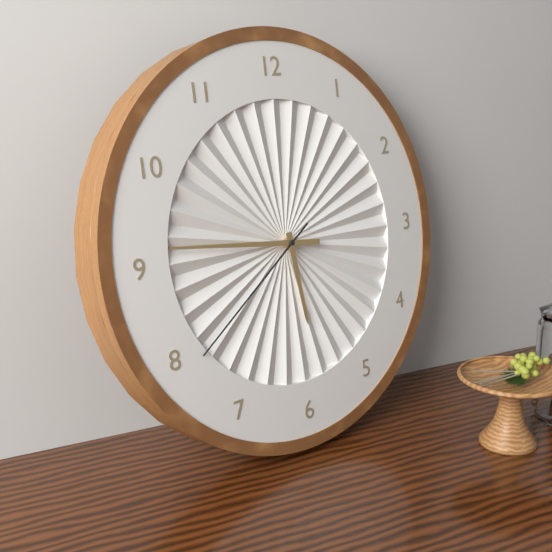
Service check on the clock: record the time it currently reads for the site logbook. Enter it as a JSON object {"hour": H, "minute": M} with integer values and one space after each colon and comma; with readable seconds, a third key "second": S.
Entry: {"hour": 5, "minute": 46, "second": 39}
